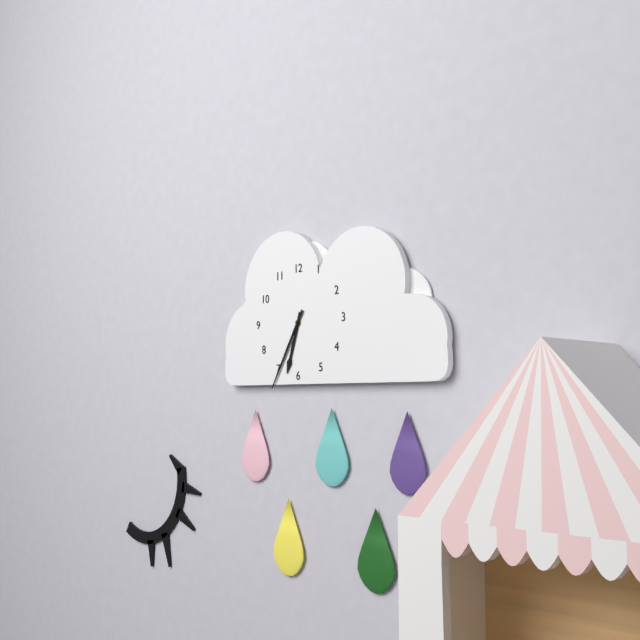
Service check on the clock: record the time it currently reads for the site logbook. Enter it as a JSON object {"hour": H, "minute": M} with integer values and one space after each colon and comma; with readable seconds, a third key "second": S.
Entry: {"hour": 6, "minute": 35}
